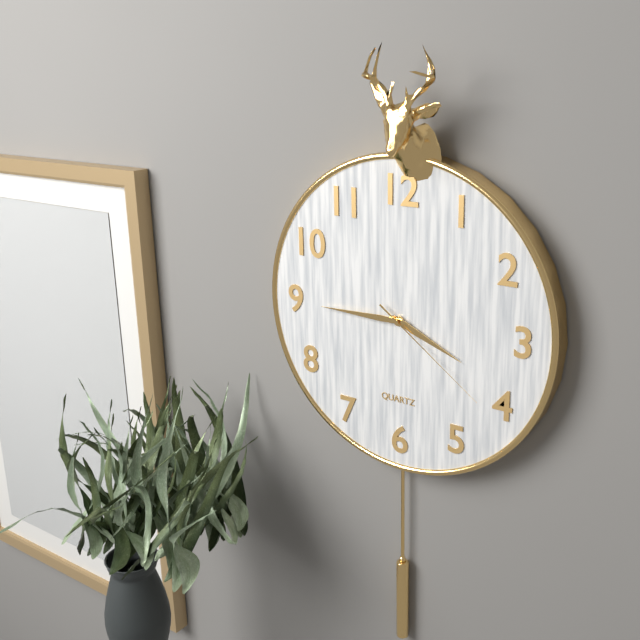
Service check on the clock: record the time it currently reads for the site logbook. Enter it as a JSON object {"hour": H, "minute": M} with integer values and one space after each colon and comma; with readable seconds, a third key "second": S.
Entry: {"hour": 3, "minute": 45, "second": 21}
